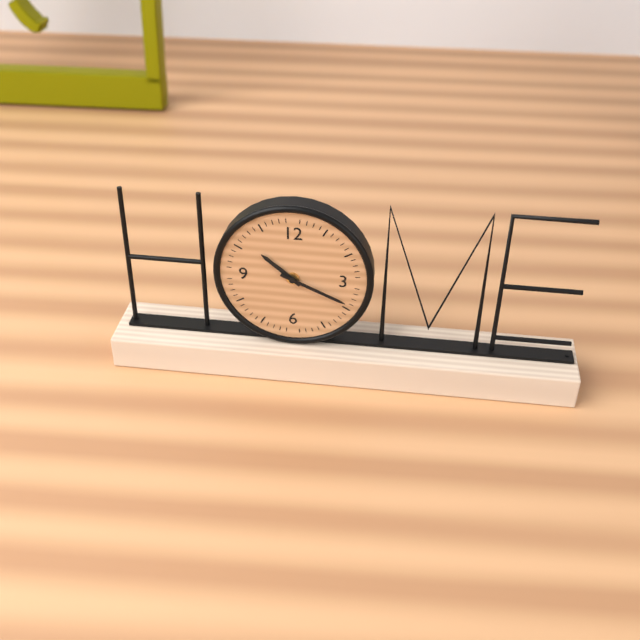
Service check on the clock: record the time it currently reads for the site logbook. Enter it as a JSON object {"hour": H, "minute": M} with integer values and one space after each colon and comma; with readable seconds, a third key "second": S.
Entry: {"hour": 10, "minute": 19}
